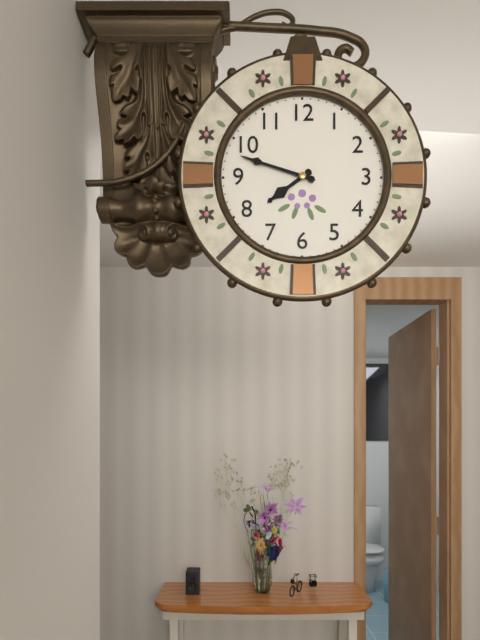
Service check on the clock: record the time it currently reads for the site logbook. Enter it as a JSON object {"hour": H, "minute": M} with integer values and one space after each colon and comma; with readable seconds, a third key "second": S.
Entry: {"hour": 7, "minute": 48}
